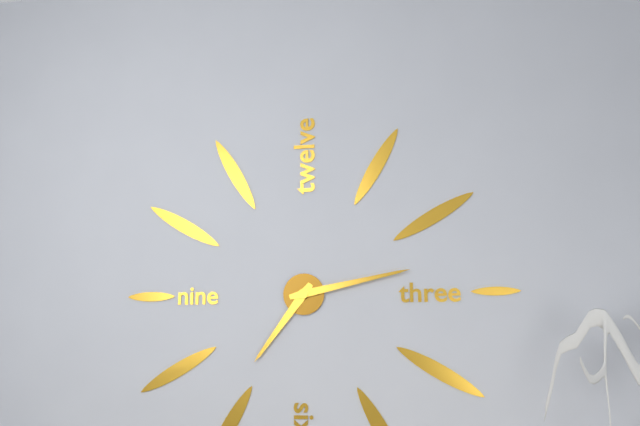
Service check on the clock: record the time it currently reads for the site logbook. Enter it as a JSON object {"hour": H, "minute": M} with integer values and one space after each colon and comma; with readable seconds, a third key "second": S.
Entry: {"hour": 7, "minute": 13}
